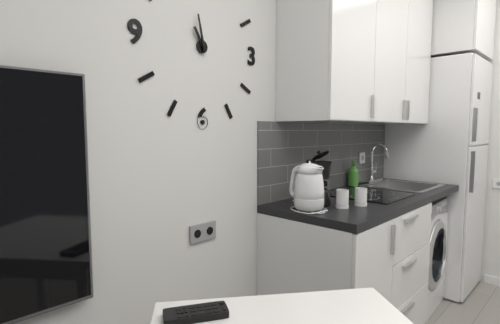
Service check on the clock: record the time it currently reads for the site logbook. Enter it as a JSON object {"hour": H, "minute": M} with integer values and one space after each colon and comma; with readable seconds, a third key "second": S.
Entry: {"hour": 10, "minute": 58}
